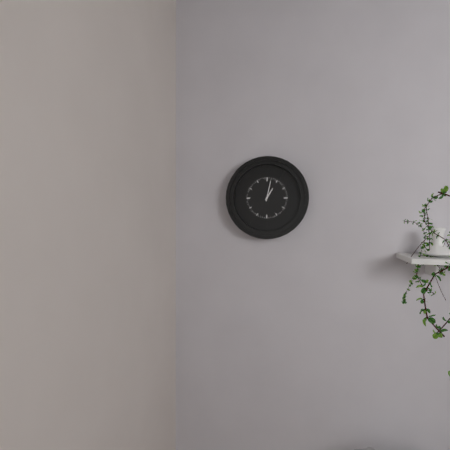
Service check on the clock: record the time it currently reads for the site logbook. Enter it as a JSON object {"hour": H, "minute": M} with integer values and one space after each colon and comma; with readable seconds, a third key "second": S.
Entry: {"hour": 1, "minute": 2}
